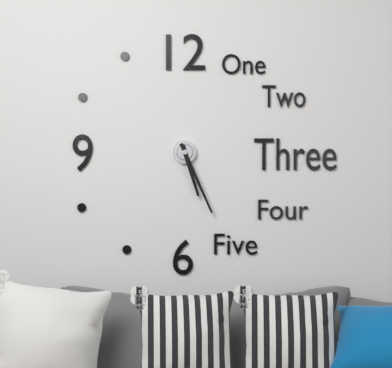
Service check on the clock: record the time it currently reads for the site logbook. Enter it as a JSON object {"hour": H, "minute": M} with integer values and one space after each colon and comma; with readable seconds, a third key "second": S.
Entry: {"hour": 5, "minute": 26}
